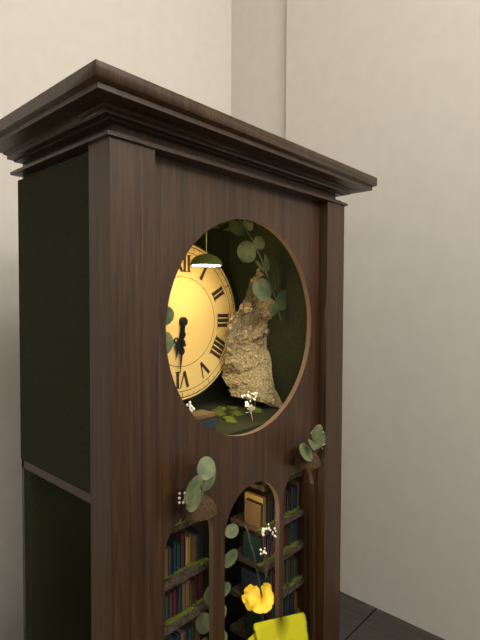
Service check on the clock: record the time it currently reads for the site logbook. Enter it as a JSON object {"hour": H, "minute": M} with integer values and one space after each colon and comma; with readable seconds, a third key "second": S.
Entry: {"hour": 6, "minute": 31}
